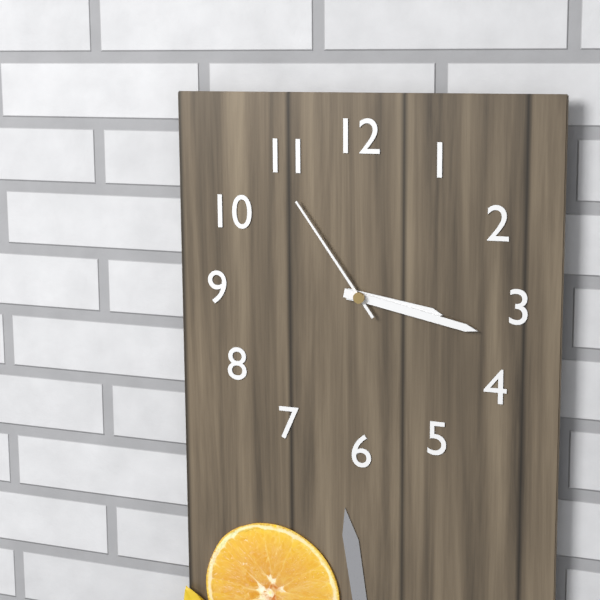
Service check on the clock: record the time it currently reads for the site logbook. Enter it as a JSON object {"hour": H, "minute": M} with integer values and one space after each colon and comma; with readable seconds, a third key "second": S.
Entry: {"hour": 3, "minute": 17, "second": 54}
